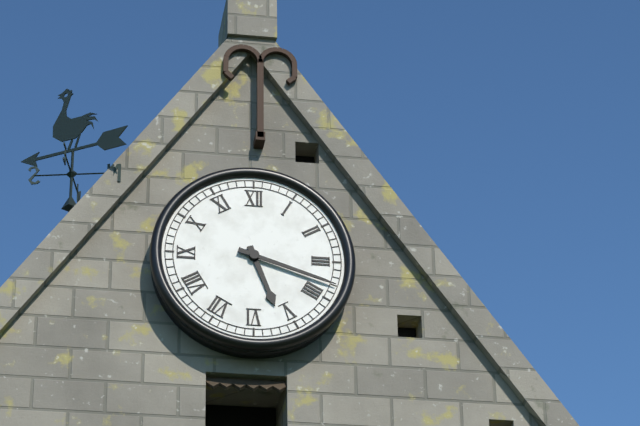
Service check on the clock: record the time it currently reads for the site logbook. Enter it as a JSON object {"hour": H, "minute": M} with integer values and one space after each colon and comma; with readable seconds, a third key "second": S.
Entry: {"hour": 5, "minute": 18}
